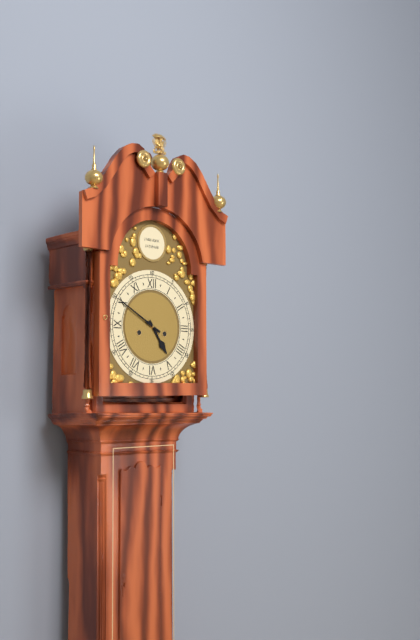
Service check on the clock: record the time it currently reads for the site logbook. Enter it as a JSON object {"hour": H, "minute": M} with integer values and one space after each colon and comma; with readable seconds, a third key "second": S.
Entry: {"hour": 4, "minute": 50}
